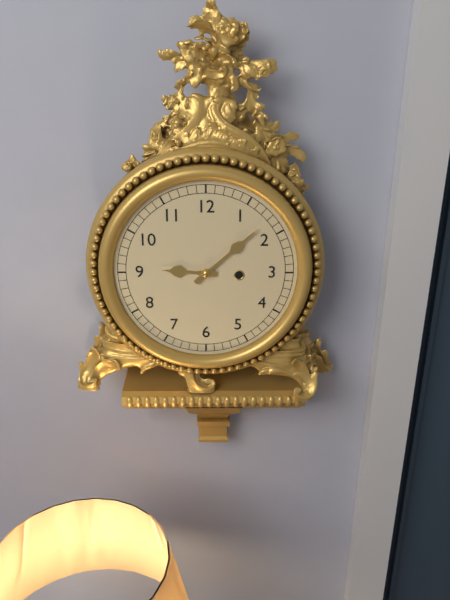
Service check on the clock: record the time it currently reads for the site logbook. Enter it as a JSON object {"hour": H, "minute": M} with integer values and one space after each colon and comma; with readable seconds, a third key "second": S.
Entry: {"hour": 9, "minute": 8}
